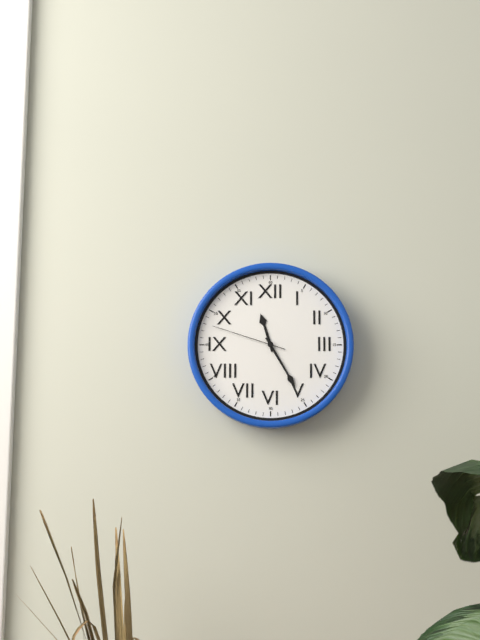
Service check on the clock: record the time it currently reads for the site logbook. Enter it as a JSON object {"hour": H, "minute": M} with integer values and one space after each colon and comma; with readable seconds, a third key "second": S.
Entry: {"hour": 11, "minute": 25, "second": 48}
